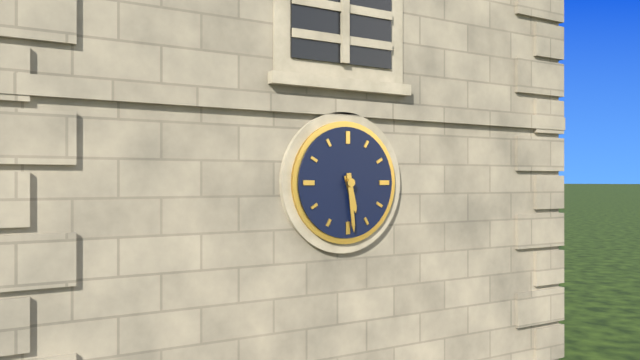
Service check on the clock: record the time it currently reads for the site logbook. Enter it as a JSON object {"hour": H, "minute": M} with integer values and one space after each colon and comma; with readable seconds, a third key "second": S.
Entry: {"hour": 5, "minute": 29}
